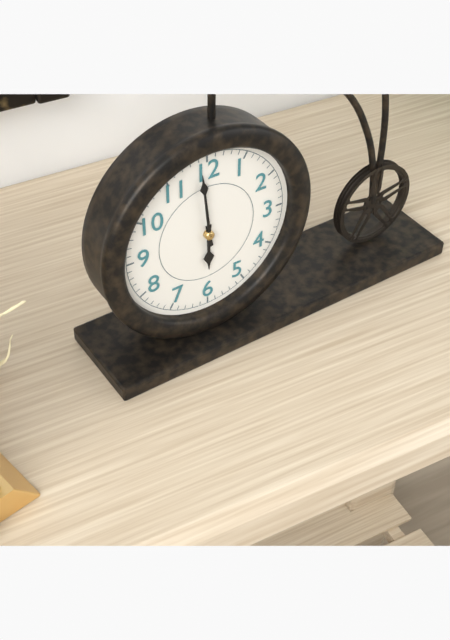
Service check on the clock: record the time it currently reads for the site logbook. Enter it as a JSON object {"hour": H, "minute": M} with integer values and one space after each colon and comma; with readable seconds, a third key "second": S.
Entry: {"hour": 5, "minute": 59}
